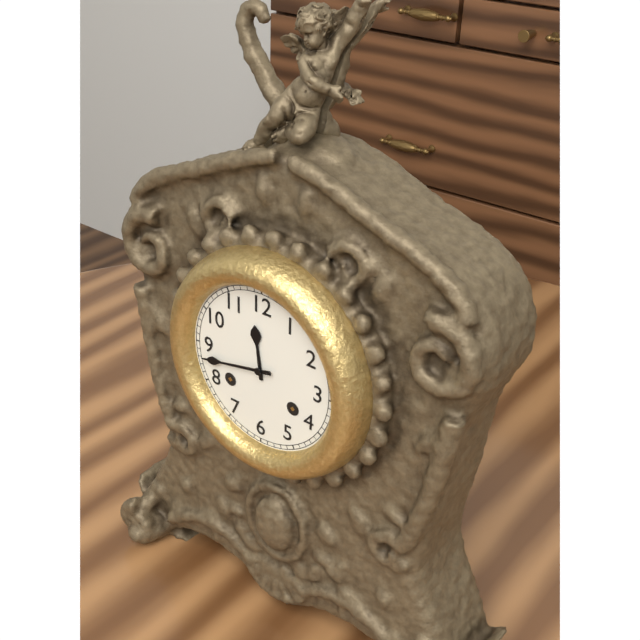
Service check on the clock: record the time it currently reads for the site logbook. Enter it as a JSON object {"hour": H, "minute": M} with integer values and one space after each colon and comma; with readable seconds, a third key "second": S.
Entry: {"hour": 11, "minute": 43}
